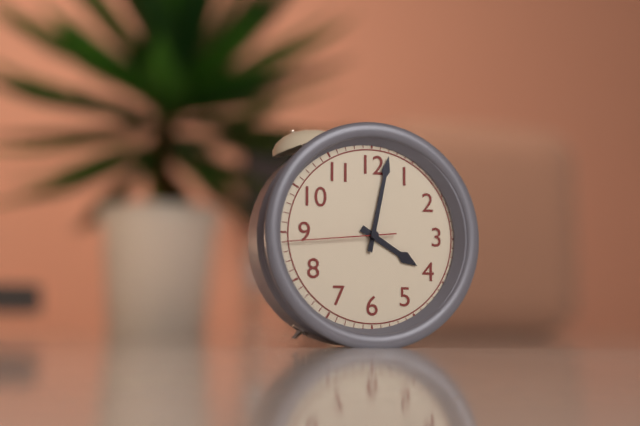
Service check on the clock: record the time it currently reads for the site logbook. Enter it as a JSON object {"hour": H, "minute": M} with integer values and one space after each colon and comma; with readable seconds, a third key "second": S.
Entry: {"hour": 4, "minute": 2, "second": 44}
